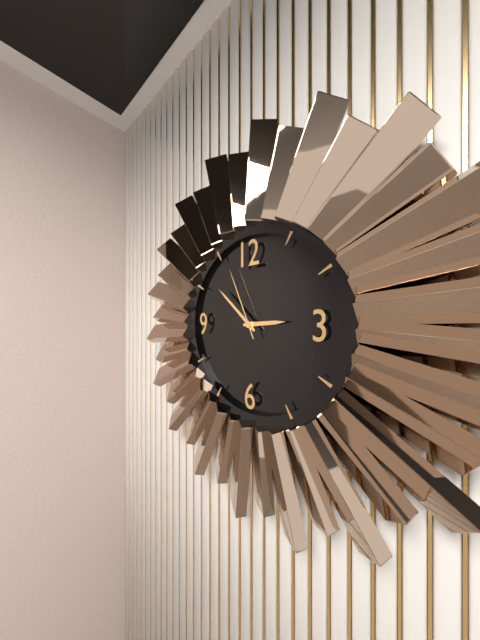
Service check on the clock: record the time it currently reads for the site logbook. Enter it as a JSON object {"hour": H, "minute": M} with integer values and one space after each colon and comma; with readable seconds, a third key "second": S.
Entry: {"hour": 2, "minute": 52, "second": 56}
